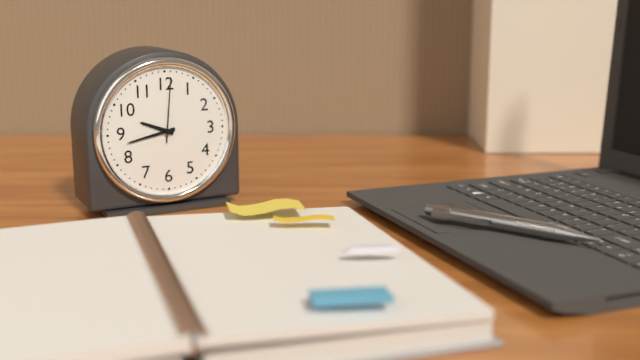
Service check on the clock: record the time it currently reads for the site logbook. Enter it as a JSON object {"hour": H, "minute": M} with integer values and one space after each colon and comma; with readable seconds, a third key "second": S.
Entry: {"hour": 9, "minute": 43, "second": 1}
